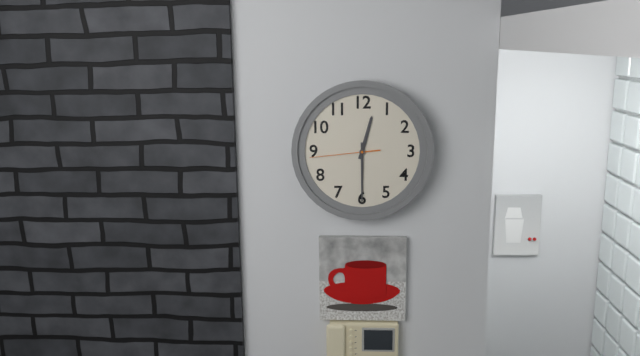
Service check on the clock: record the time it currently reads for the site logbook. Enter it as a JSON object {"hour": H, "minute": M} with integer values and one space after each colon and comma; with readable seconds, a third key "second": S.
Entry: {"hour": 12, "minute": 30, "second": 44}
